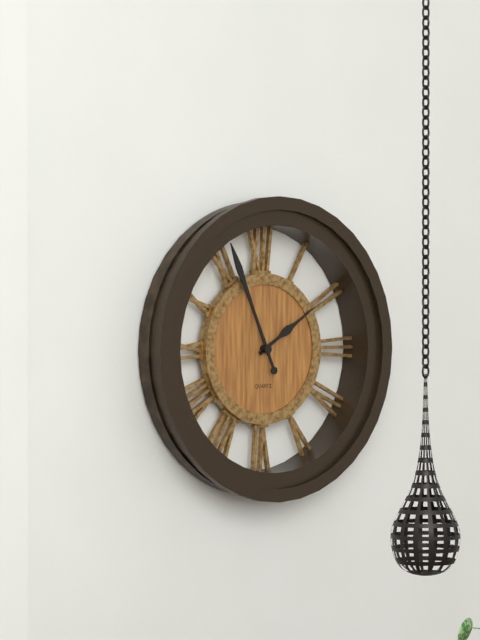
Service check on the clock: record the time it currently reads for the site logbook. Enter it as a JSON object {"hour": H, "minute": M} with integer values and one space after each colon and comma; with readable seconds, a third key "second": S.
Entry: {"hour": 1, "minute": 56}
